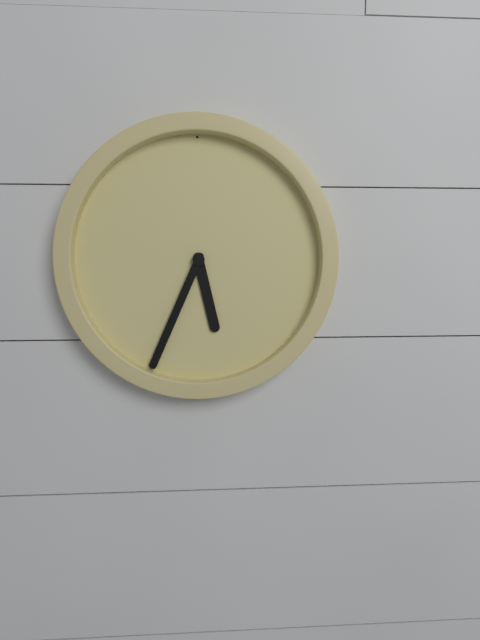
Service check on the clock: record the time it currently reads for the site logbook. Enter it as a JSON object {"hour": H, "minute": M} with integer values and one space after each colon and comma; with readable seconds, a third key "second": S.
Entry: {"hour": 5, "minute": 34}
